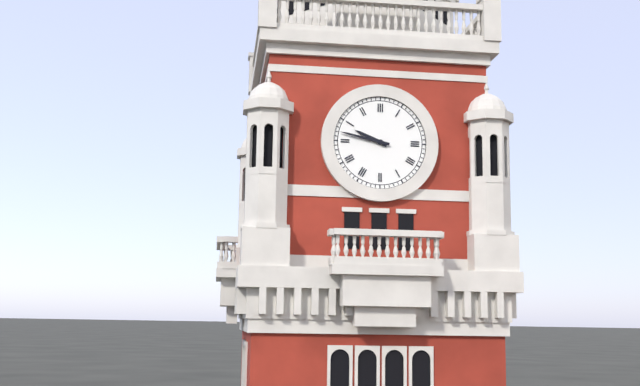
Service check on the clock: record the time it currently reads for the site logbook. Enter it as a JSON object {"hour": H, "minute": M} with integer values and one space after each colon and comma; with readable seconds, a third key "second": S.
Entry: {"hour": 9, "minute": 47}
